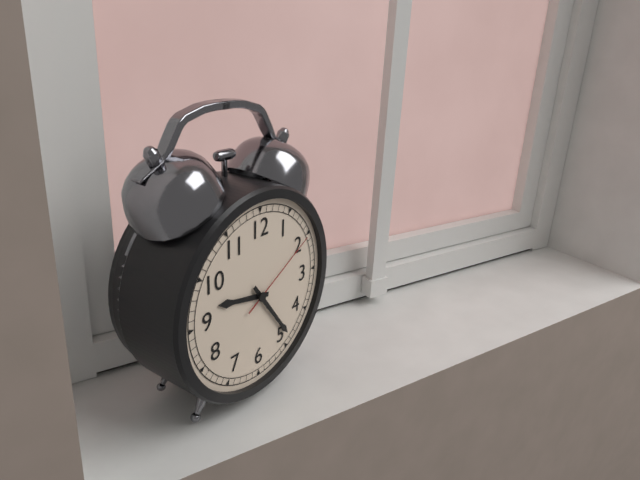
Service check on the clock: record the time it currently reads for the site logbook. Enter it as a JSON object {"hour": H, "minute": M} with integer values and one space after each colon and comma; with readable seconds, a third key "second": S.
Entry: {"hour": 9, "minute": 24, "second": 10}
